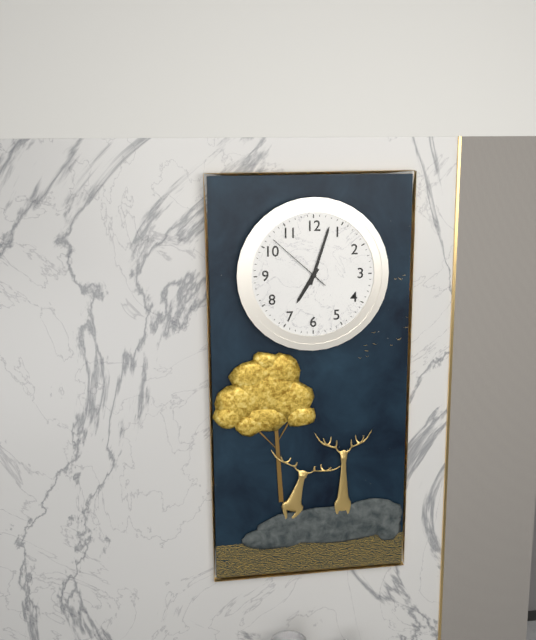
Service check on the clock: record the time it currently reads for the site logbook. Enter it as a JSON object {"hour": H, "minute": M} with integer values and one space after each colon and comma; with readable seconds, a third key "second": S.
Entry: {"hour": 7, "minute": 3, "second": 52}
